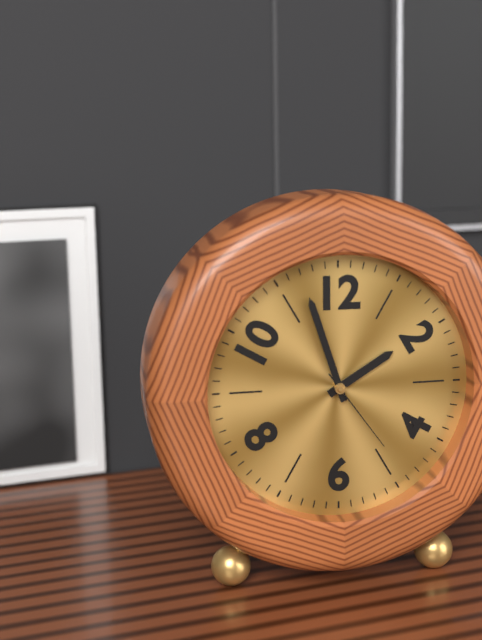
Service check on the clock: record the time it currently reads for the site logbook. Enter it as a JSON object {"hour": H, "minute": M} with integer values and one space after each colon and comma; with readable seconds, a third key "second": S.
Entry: {"hour": 1, "minute": 57, "second": 24}
